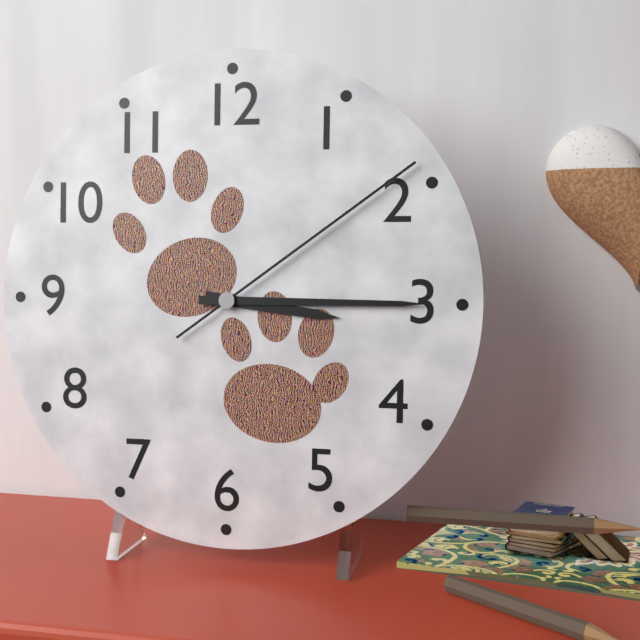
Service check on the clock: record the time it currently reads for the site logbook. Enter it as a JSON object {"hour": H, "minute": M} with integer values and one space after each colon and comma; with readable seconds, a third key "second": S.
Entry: {"hour": 3, "minute": 15, "second": 9}
